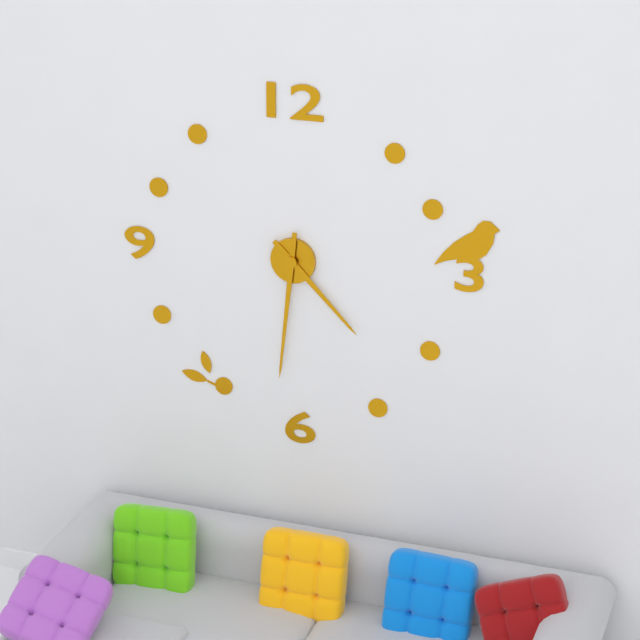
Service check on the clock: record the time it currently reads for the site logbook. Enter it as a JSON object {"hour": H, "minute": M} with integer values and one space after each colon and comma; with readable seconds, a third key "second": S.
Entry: {"hour": 4, "minute": 31}
